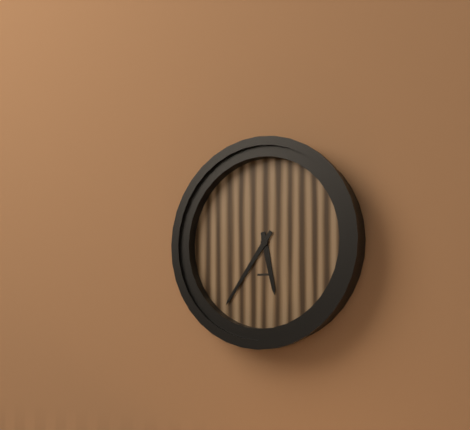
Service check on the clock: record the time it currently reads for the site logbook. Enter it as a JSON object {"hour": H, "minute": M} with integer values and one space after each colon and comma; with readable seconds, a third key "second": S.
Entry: {"hour": 5, "minute": 36}
